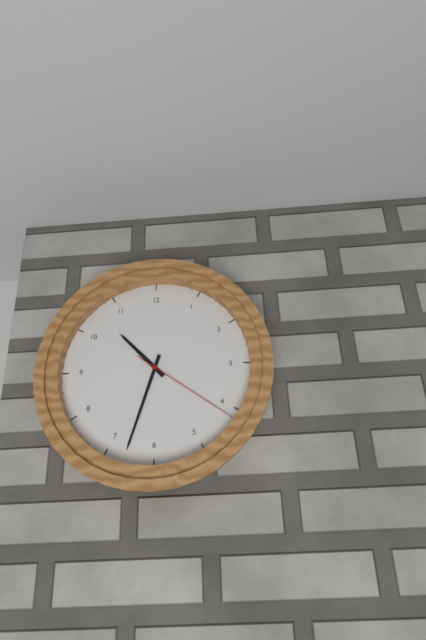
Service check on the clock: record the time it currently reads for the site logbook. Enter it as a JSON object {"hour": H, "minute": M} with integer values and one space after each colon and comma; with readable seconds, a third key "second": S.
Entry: {"hour": 10, "minute": 33, "second": 21}
